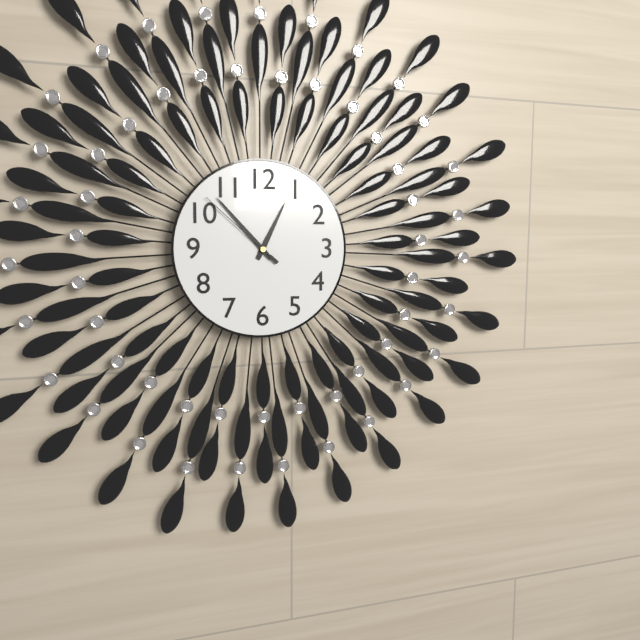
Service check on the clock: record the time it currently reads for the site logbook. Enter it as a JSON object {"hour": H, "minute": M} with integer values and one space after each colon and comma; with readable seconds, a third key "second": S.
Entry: {"hour": 12, "minute": 53, "second": 52}
